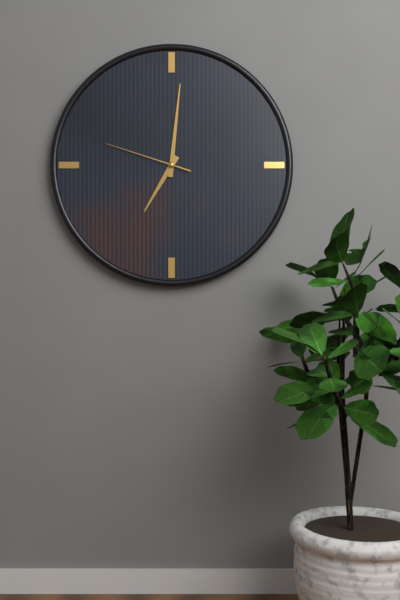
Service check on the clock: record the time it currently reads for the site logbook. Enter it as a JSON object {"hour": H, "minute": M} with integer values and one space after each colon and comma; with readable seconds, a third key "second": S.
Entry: {"hour": 7, "minute": 1, "second": 48}
